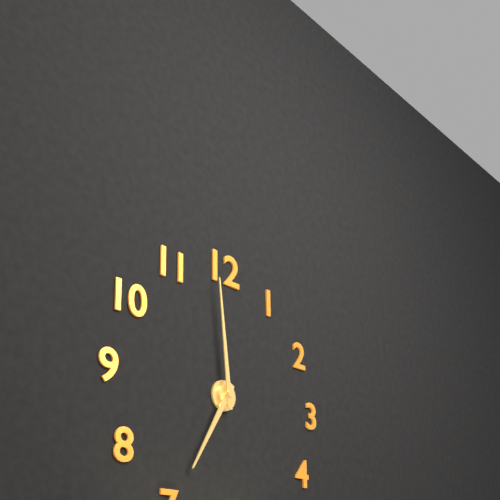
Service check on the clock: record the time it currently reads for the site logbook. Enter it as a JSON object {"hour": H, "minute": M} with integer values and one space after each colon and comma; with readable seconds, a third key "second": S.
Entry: {"hour": 6, "minute": 59}
